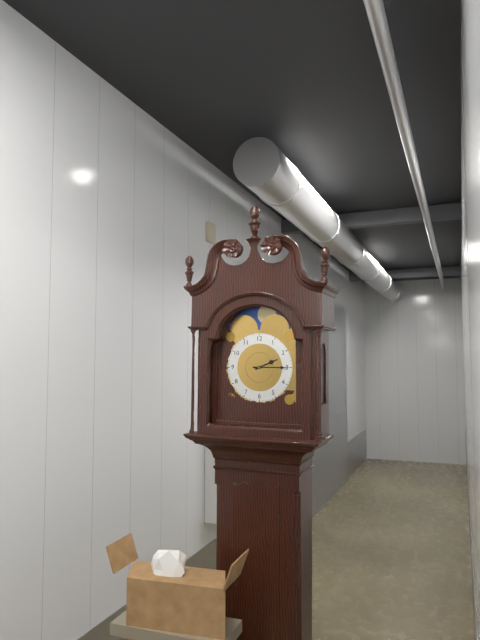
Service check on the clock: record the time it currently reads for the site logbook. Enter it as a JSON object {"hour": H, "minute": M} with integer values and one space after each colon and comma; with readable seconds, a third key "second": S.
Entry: {"hour": 2, "minute": 15}
